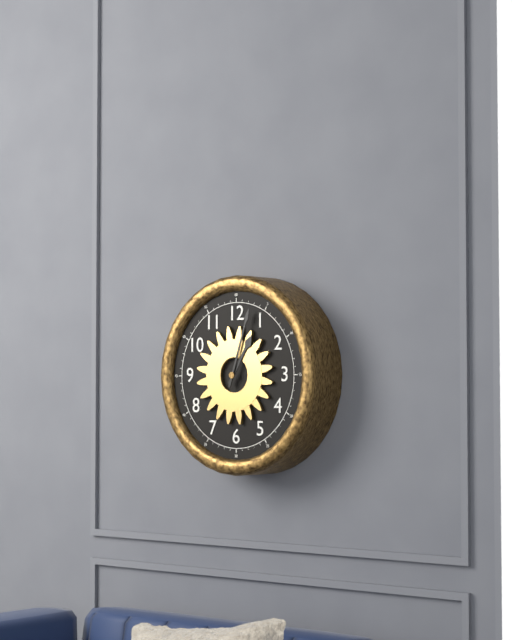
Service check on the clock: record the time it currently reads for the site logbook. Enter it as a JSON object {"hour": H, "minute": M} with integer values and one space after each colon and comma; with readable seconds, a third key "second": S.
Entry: {"hour": 1, "minute": 3}
